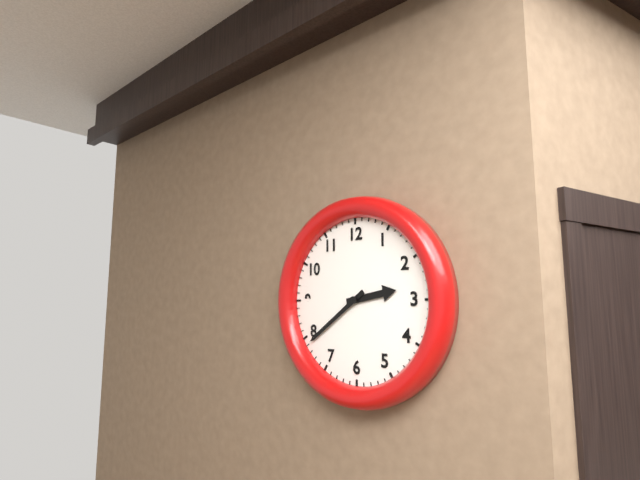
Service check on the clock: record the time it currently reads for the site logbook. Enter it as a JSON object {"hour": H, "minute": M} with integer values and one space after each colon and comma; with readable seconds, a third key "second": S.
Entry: {"hour": 2, "minute": 39}
